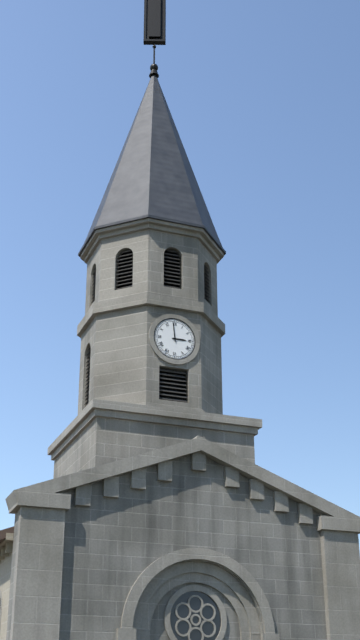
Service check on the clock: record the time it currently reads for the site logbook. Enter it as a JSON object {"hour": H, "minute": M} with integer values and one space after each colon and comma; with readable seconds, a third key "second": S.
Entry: {"hour": 2, "minute": 59}
